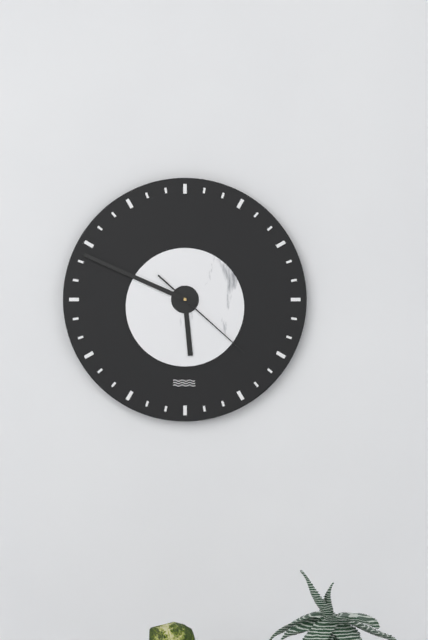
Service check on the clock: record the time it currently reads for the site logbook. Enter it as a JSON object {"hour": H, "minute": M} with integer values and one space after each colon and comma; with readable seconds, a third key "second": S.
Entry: {"hour": 5, "minute": 49, "second": 22}
